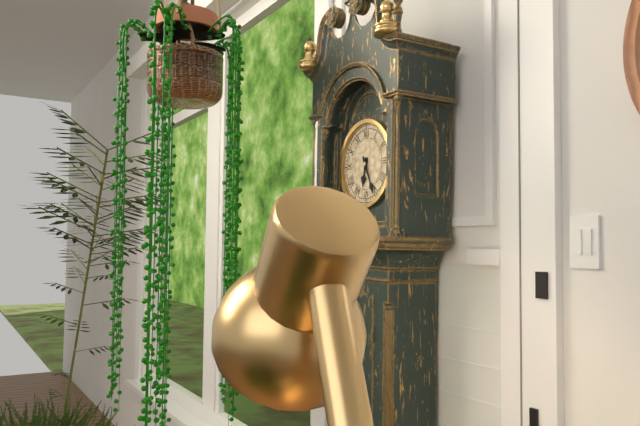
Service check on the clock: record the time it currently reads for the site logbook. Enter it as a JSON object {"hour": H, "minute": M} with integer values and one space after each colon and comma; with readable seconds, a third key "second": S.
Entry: {"hour": 6, "minute": 26}
